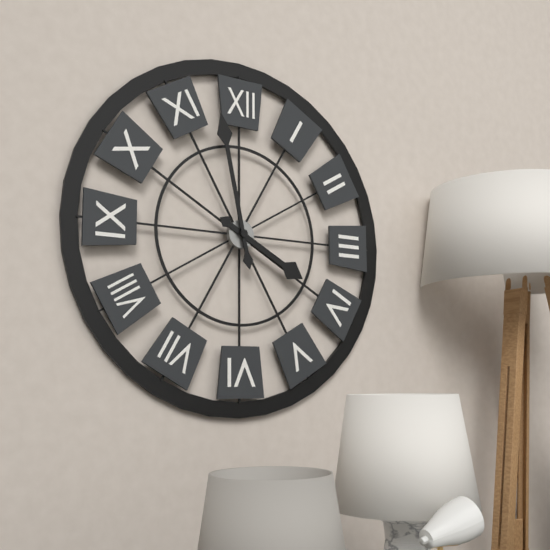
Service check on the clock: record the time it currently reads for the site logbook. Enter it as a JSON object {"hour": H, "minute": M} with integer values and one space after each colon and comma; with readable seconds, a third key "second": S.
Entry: {"hour": 3, "minute": 58}
